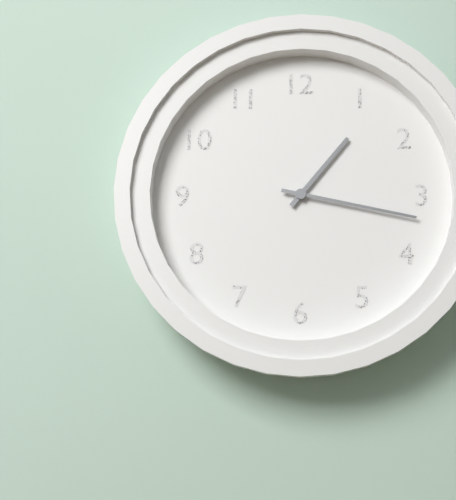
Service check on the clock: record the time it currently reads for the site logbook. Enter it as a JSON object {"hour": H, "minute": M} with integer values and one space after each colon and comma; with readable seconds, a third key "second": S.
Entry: {"hour": 1, "minute": 17}
